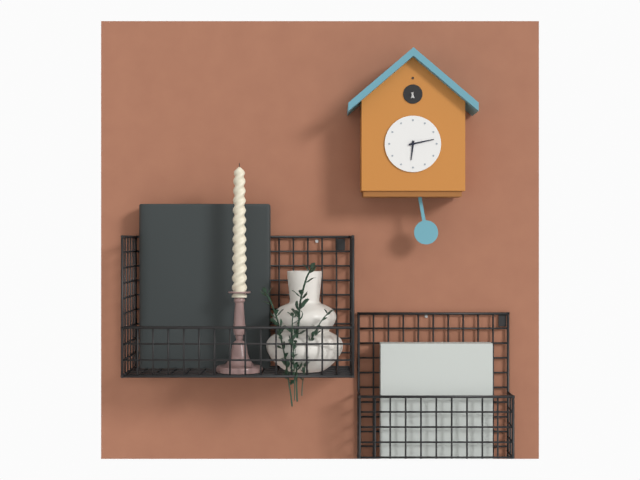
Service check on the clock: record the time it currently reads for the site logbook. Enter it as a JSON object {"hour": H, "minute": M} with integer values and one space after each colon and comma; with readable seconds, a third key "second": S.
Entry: {"hour": 6, "minute": 13}
